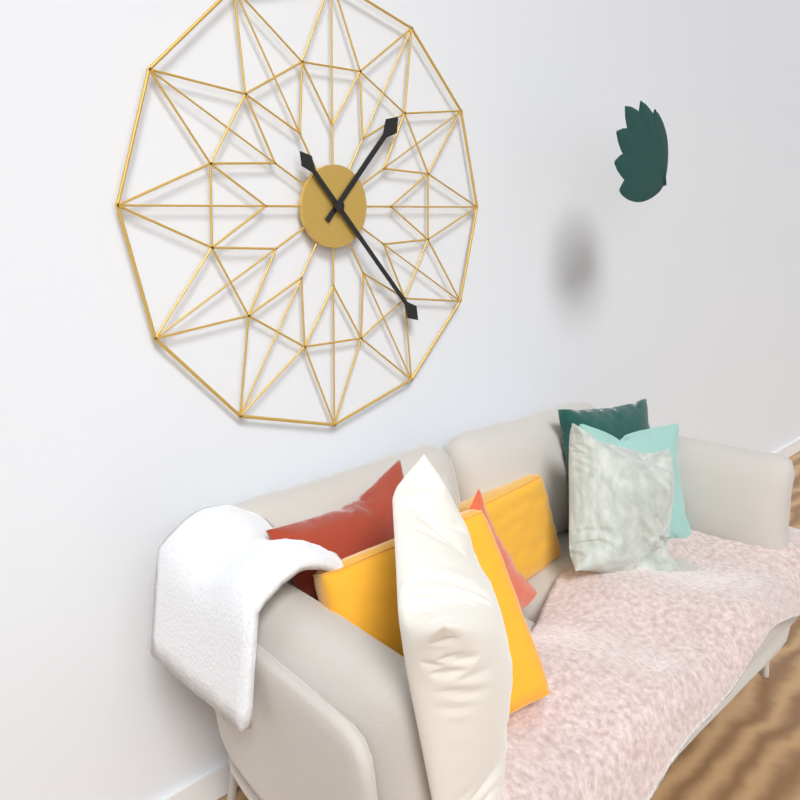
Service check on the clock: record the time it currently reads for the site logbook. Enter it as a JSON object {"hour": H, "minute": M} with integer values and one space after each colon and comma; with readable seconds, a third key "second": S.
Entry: {"hour": 1, "minute": 23}
